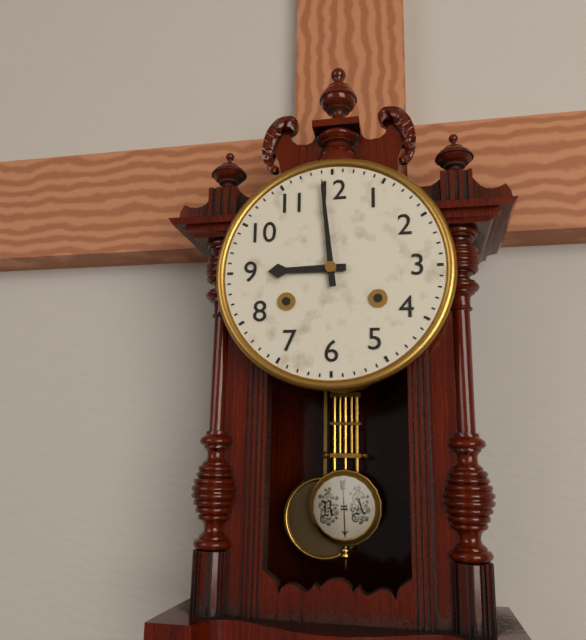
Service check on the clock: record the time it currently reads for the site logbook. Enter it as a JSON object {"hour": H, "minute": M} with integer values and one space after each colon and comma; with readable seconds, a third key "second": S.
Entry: {"hour": 8, "minute": 59}
